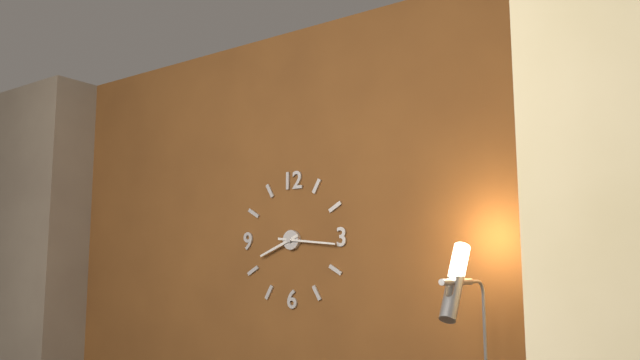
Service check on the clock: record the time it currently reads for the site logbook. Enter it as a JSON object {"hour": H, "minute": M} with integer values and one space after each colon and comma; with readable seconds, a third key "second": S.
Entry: {"hour": 8, "minute": 16}
